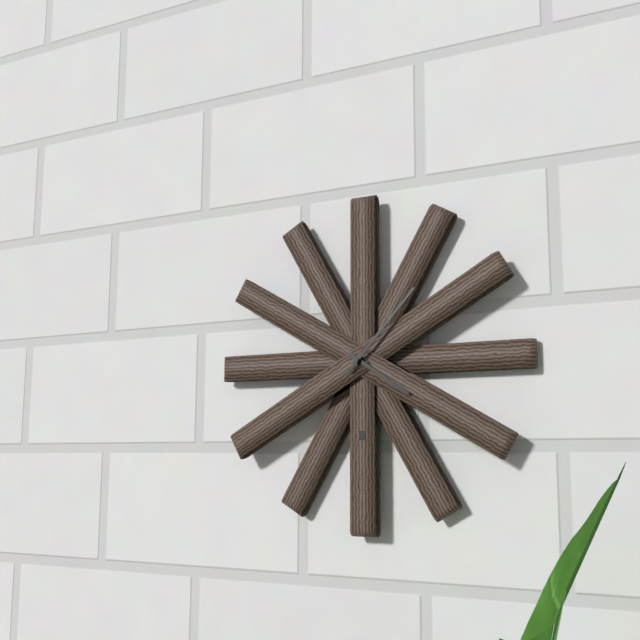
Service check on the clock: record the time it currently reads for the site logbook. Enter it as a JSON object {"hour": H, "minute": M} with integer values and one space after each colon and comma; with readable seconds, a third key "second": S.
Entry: {"hour": 4, "minute": 7}
